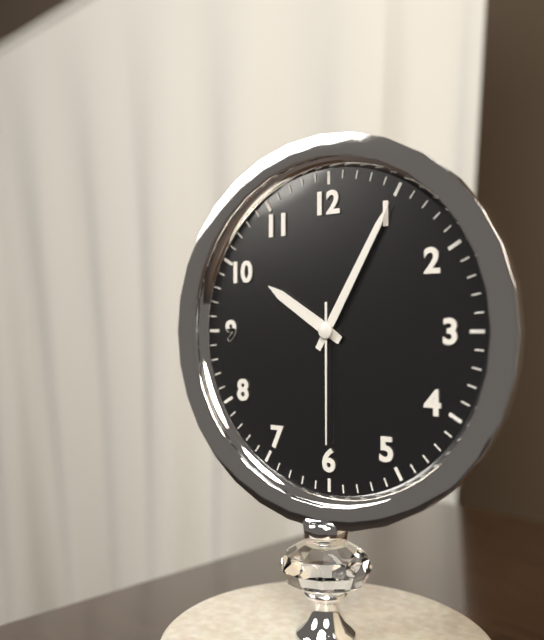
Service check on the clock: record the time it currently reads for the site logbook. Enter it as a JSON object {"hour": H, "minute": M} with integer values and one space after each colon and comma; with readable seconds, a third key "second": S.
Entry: {"hour": 10, "minute": 5, "second": 30}
